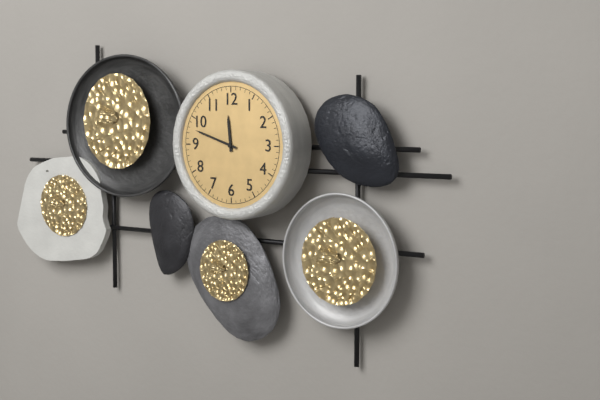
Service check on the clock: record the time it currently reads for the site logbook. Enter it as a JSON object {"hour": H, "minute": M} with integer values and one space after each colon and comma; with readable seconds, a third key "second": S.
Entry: {"hour": 11, "minute": 48}
